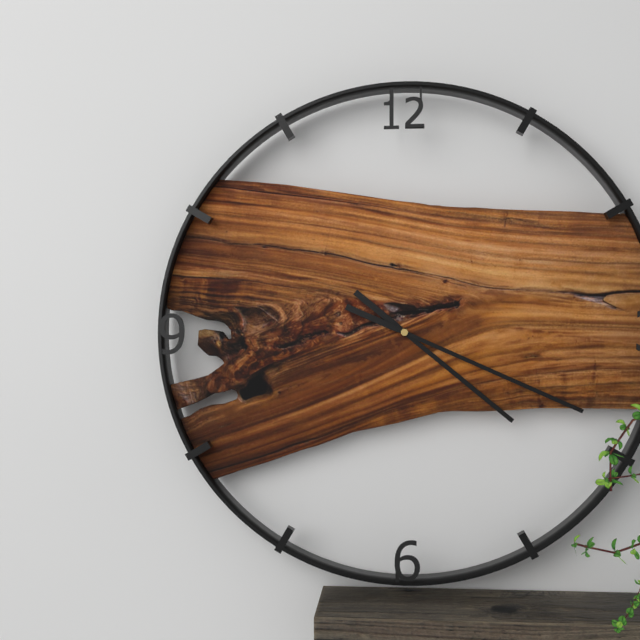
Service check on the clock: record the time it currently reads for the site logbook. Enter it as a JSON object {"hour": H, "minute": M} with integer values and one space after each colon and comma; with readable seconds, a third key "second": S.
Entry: {"hour": 4, "minute": 19}
